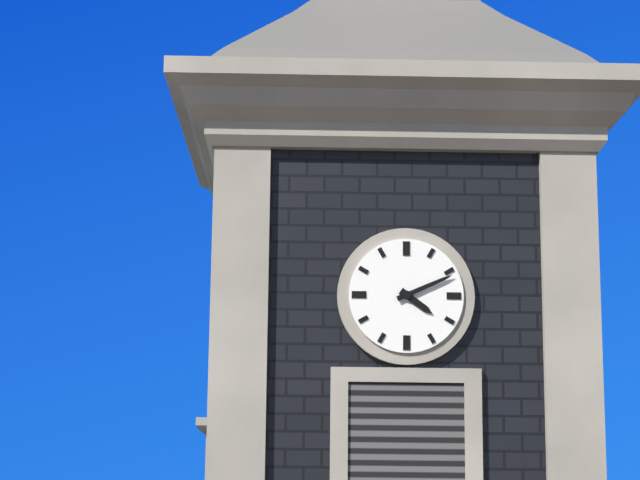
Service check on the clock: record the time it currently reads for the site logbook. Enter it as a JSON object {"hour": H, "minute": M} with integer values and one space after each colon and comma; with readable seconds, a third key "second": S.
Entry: {"hour": 4, "minute": 11}
